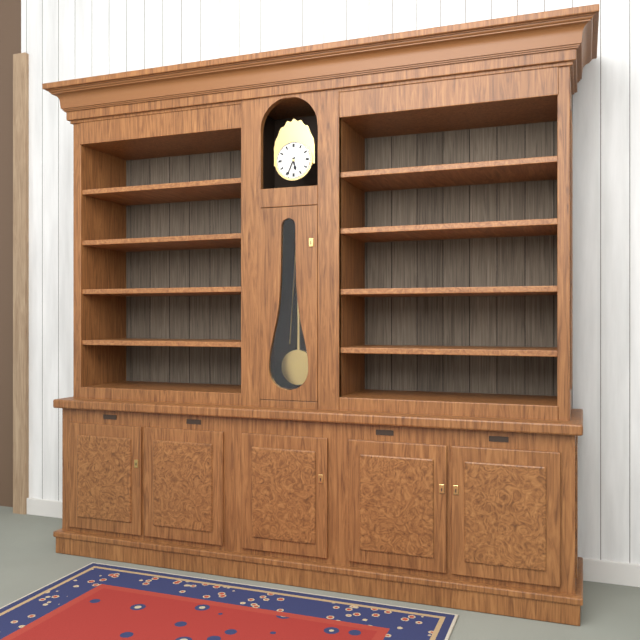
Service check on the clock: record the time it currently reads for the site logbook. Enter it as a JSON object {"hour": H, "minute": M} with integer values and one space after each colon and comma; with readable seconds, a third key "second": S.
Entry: {"hour": 5, "minute": 34}
